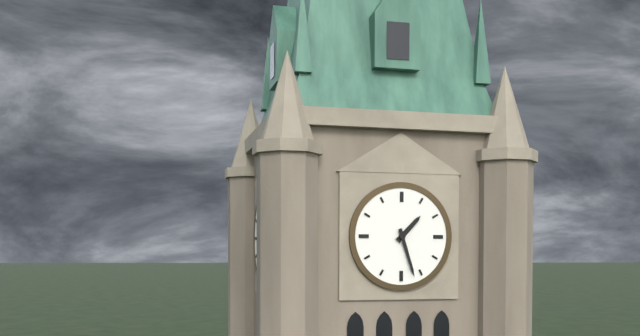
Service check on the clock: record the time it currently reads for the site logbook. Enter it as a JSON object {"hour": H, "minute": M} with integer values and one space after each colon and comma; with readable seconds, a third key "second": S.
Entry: {"hour": 1, "minute": 27}
